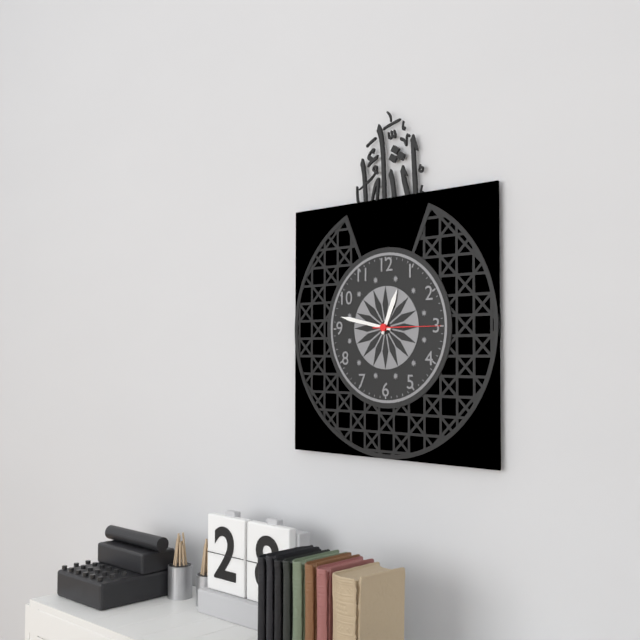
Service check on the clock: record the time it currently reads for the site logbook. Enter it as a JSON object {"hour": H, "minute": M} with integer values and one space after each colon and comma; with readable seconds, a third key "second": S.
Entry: {"hour": 12, "minute": 47, "second": 15}
